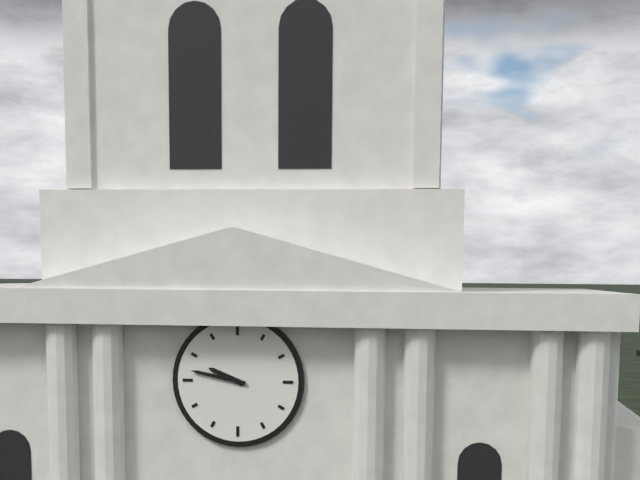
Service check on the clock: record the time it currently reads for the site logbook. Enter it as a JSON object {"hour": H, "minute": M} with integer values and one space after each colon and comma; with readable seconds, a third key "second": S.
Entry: {"hour": 9, "minute": 47}
